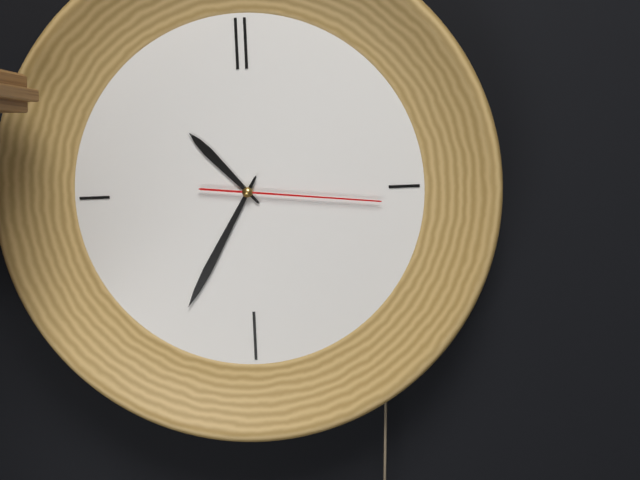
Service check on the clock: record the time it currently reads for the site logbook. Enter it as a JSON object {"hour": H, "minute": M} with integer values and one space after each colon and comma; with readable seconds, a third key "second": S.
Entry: {"hour": 10, "minute": 35, "second": 16}
